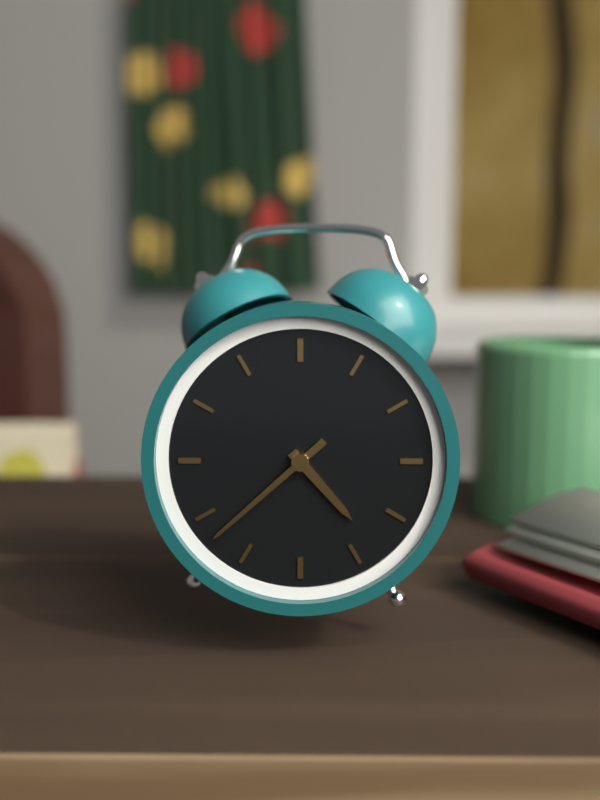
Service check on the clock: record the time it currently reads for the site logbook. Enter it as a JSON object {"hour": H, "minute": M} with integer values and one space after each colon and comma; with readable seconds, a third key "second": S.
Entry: {"hour": 4, "minute": 38}
